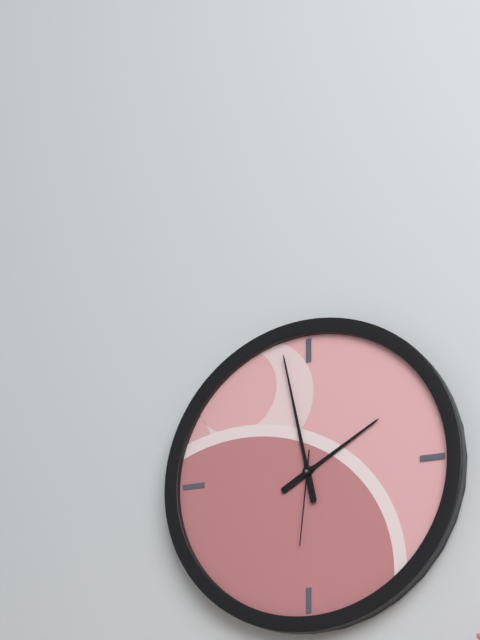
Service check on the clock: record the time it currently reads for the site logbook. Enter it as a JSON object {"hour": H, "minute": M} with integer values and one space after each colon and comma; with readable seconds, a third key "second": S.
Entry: {"hour": 1, "minute": 58, "second": 31}
